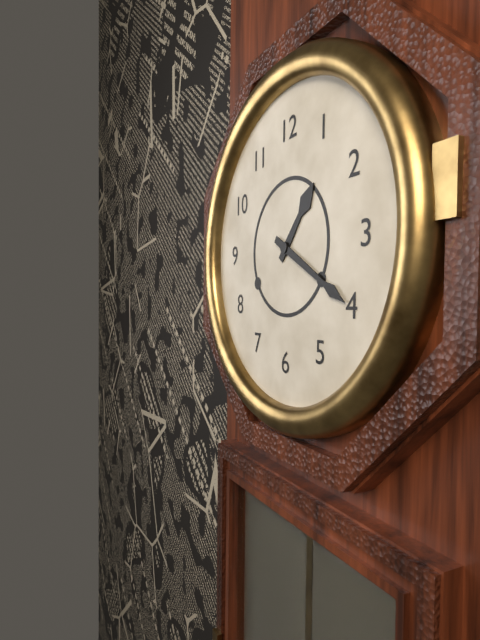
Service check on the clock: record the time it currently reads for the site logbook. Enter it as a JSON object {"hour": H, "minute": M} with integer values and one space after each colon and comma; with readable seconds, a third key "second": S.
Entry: {"hour": 1, "minute": 20}
